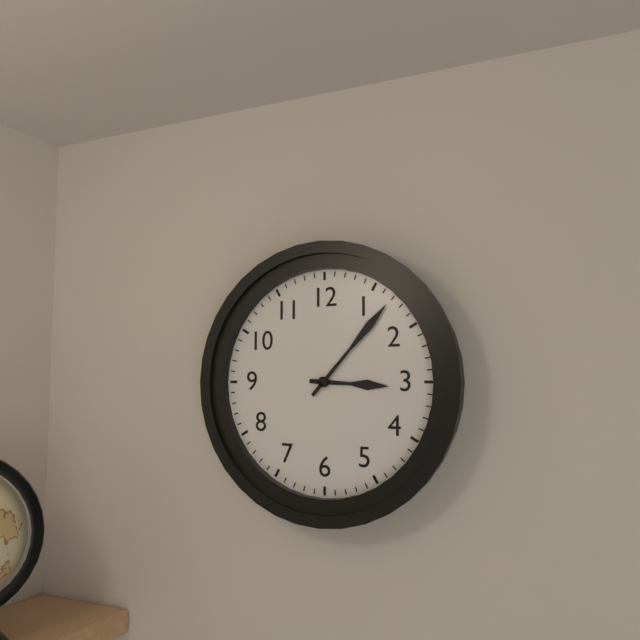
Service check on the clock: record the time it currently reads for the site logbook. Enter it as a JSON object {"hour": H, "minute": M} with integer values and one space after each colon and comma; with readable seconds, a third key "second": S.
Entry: {"hour": 3, "minute": 7}
